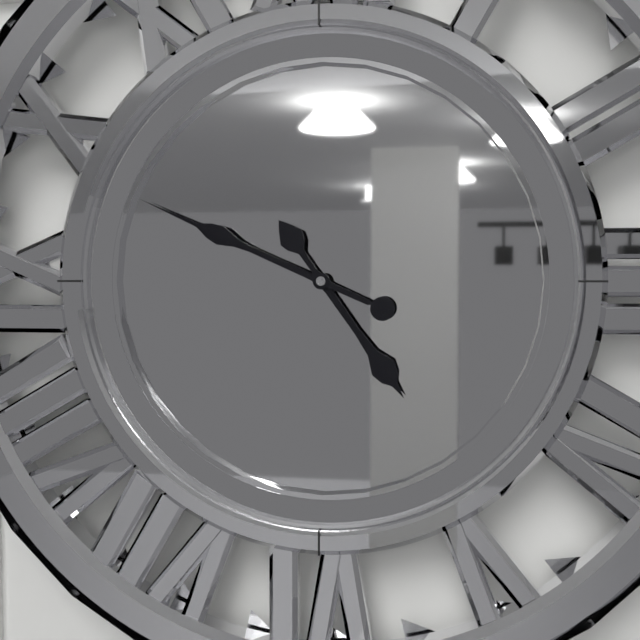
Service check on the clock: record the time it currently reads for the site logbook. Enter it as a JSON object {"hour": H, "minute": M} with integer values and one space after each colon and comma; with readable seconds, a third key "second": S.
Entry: {"hour": 4, "minute": 49}
